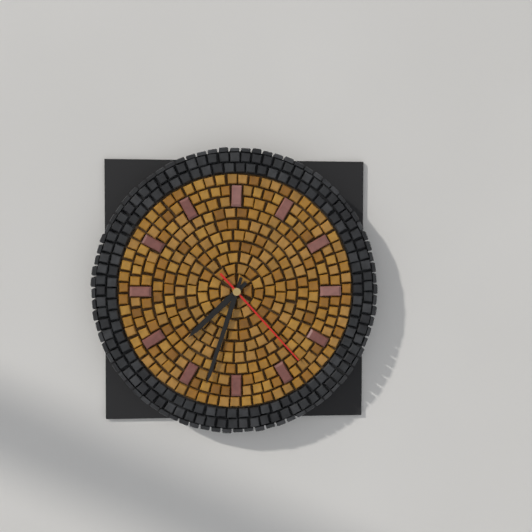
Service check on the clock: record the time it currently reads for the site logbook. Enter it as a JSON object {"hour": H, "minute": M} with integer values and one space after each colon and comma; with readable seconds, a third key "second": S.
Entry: {"hour": 7, "minute": 33, "second": 23}
